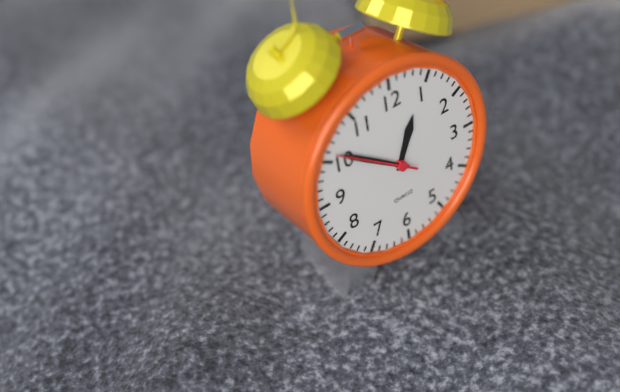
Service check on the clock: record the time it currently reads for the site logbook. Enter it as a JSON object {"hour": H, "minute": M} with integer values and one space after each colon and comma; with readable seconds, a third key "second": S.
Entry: {"hour": 12, "minute": 51, "second": 51}
